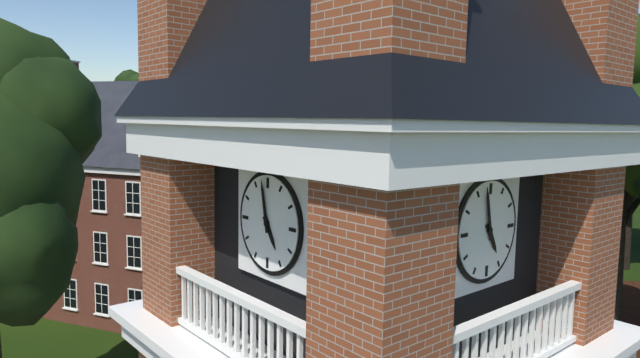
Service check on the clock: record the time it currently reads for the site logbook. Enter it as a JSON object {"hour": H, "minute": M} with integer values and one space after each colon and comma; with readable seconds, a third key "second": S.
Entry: {"hour": 4, "minute": 58}
